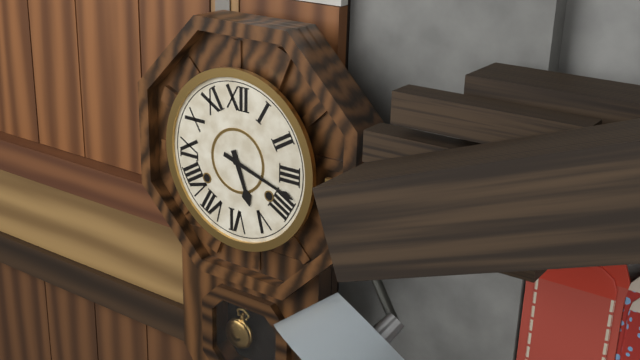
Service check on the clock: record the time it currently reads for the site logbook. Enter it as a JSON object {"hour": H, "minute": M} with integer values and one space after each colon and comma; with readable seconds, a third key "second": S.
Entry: {"hour": 5, "minute": 18}
